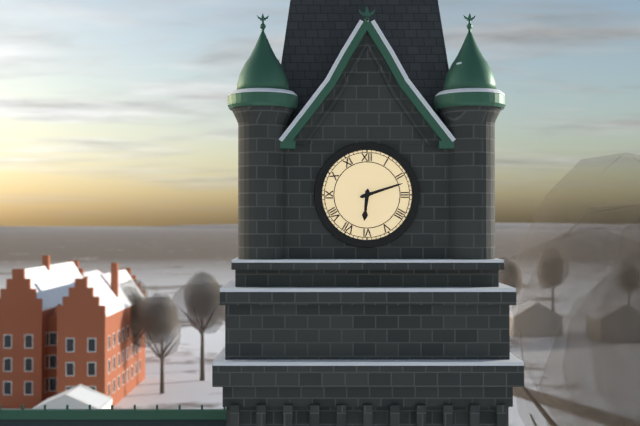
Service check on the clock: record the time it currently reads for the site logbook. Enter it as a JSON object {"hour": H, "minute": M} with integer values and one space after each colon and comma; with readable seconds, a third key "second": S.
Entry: {"hour": 6, "minute": 12}
